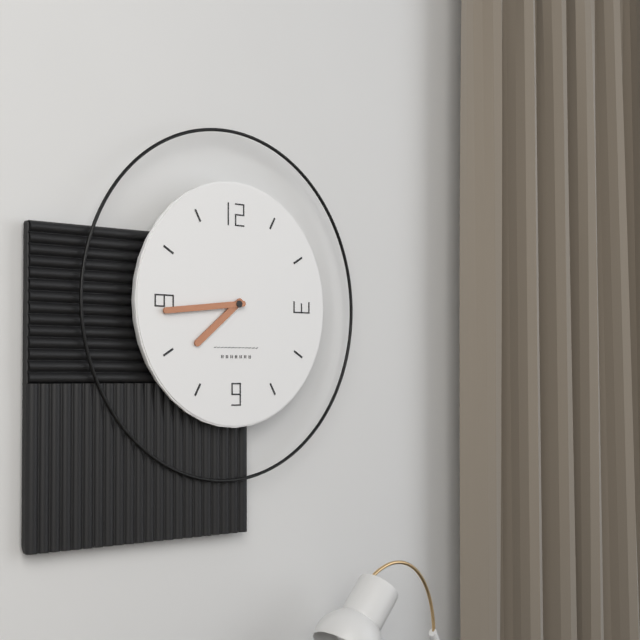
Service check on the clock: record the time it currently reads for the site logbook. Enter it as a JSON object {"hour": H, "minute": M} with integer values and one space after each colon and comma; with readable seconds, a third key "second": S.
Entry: {"hour": 7, "minute": 44}
